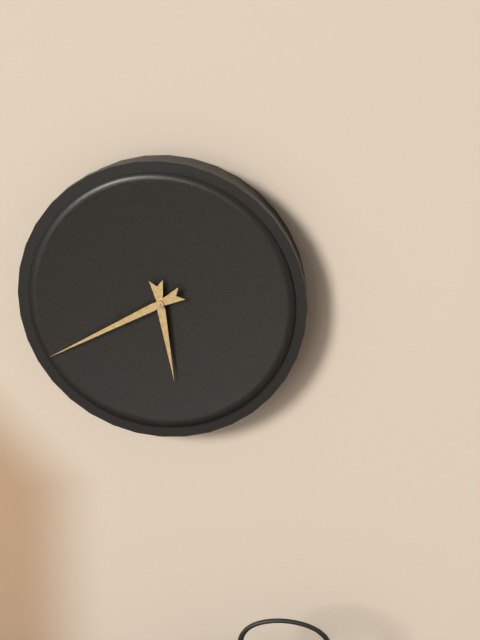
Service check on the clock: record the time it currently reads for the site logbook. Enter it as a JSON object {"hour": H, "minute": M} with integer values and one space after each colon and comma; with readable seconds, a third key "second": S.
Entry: {"hour": 5, "minute": 40}
